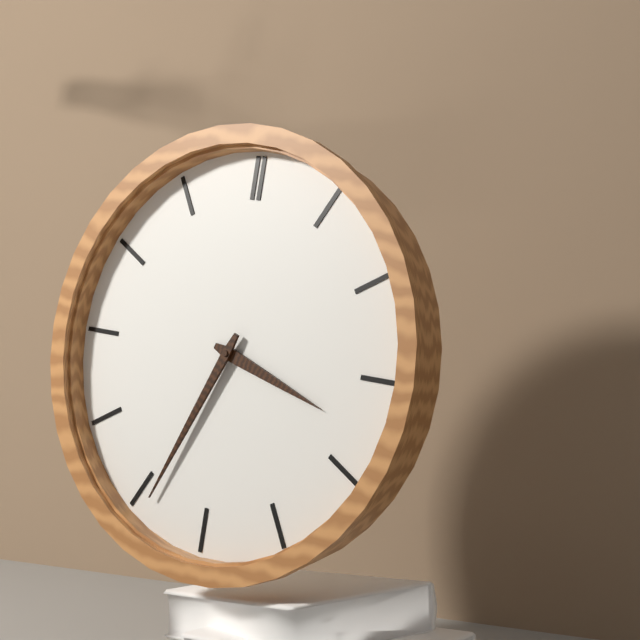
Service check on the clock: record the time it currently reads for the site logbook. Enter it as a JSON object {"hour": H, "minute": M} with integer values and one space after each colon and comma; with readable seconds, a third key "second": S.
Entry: {"hour": 3, "minute": 34}
